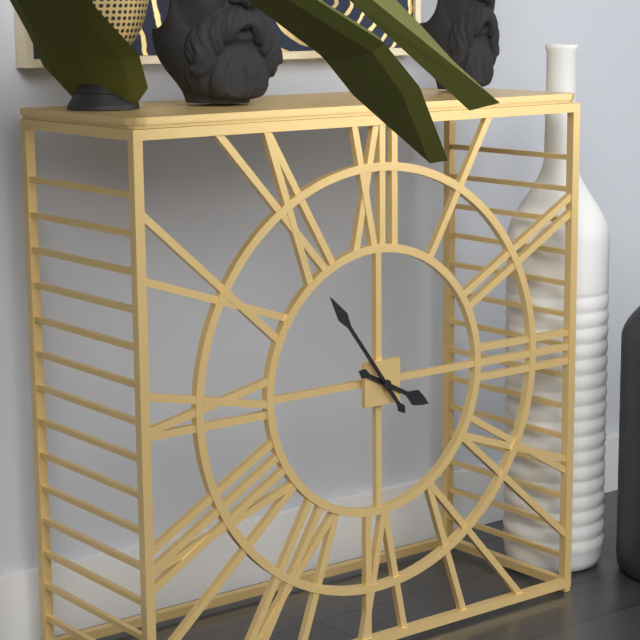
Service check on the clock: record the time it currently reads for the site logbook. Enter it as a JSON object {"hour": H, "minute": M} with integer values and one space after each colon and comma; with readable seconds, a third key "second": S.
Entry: {"hour": 3, "minute": 54}
